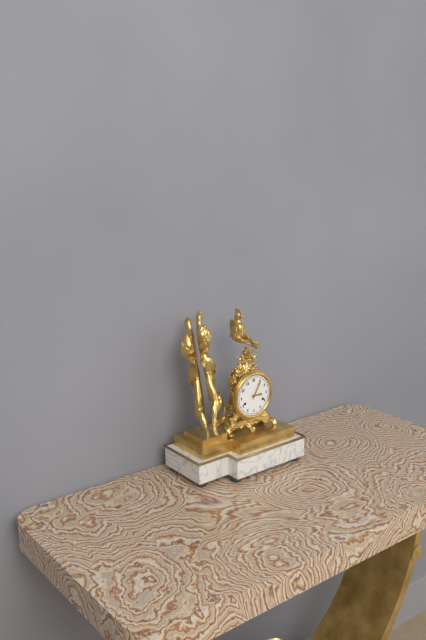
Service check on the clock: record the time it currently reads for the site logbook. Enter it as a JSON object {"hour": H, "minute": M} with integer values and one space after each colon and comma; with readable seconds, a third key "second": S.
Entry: {"hour": 3, "minute": 5}
